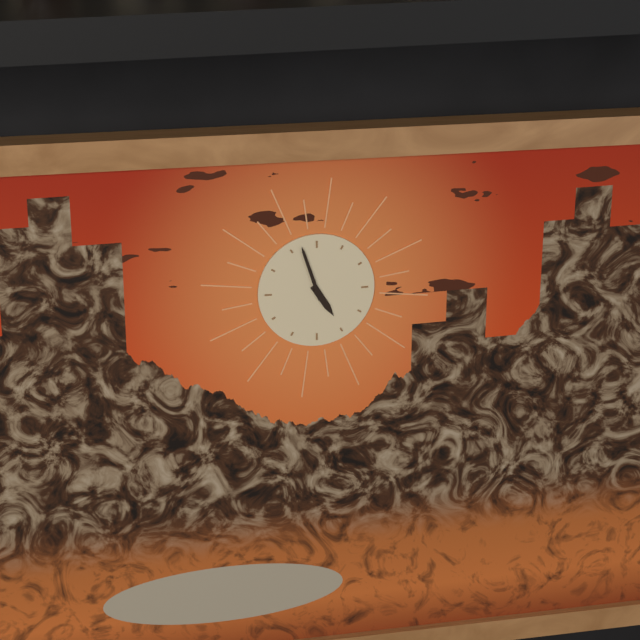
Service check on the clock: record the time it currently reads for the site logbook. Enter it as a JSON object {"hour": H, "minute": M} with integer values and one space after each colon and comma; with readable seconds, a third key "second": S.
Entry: {"hour": 4, "minute": 57}
